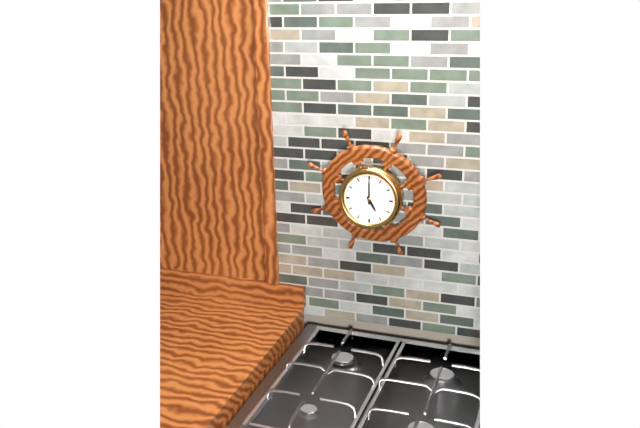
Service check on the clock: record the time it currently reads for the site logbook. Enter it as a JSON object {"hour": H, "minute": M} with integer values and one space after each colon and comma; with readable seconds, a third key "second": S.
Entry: {"hour": 5, "minute": 0}
